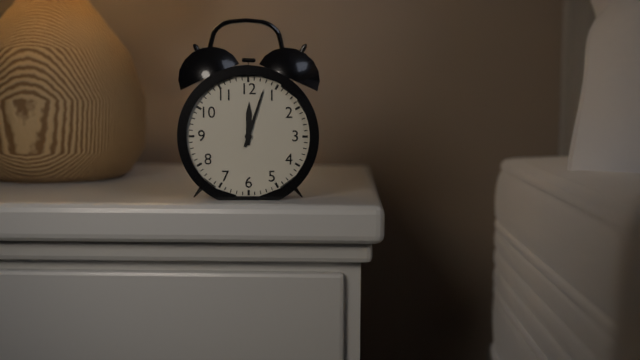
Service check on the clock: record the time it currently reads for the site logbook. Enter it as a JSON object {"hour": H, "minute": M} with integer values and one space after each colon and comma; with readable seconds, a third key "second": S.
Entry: {"hour": 12, "minute": 3}
